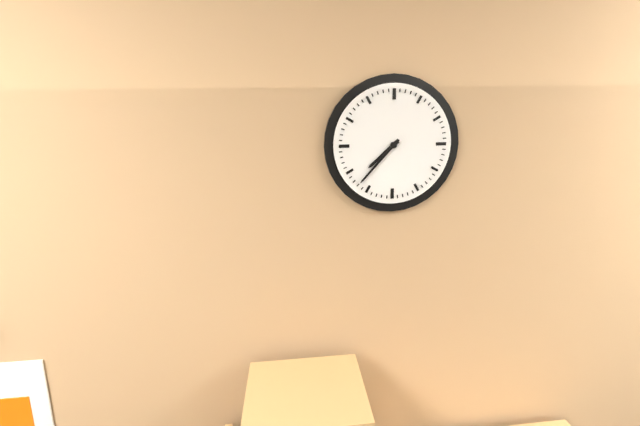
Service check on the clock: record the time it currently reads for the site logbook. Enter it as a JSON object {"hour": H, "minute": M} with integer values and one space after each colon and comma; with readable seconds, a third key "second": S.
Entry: {"hour": 7, "minute": 37}
